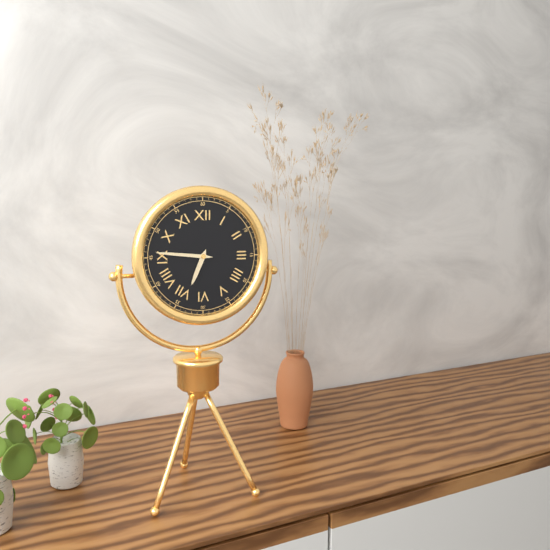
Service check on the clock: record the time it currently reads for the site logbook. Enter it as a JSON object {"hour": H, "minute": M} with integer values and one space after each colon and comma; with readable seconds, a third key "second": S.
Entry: {"hour": 6, "minute": 46}
